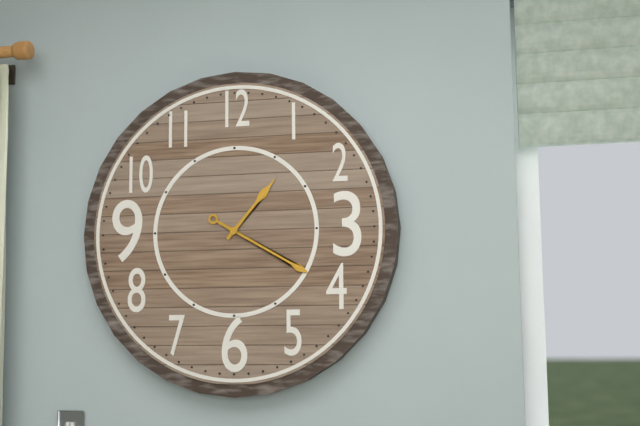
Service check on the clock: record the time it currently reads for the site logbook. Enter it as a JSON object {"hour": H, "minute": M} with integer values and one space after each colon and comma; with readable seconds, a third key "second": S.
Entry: {"hour": 1, "minute": 20}
